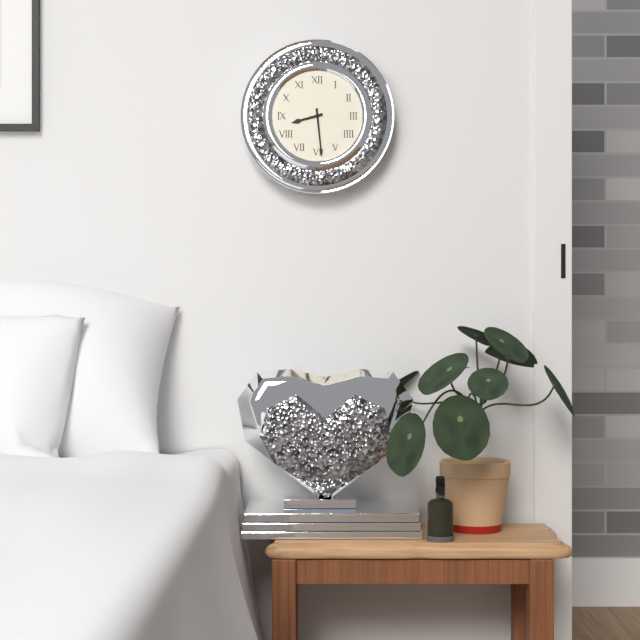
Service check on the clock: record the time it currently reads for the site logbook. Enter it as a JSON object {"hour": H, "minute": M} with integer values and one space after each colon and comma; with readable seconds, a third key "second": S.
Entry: {"hour": 8, "minute": 29}
